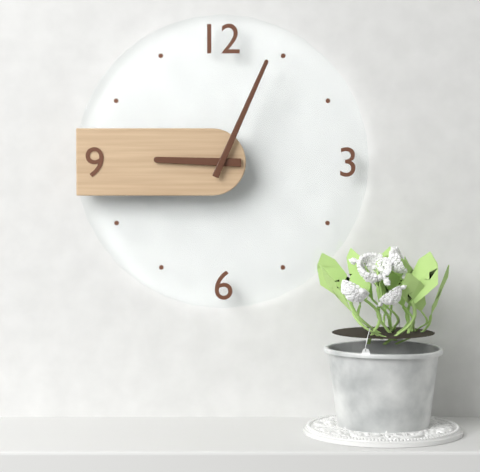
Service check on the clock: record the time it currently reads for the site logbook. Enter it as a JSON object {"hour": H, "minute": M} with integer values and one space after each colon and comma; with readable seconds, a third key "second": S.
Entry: {"hour": 9, "minute": 4}
